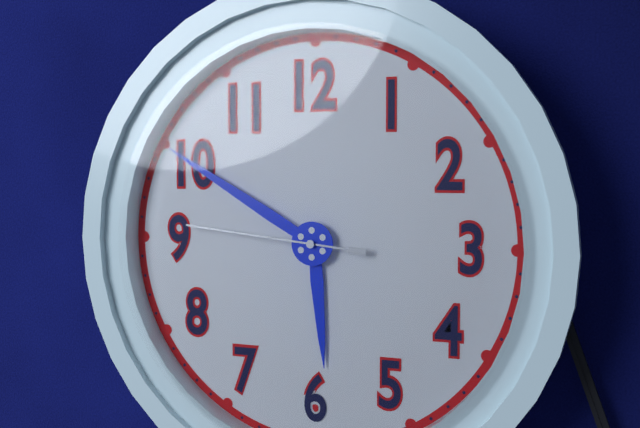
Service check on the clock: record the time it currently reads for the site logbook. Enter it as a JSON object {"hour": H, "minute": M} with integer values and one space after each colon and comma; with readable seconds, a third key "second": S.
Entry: {"hour": 5, "minute": 50, "second": 46}
